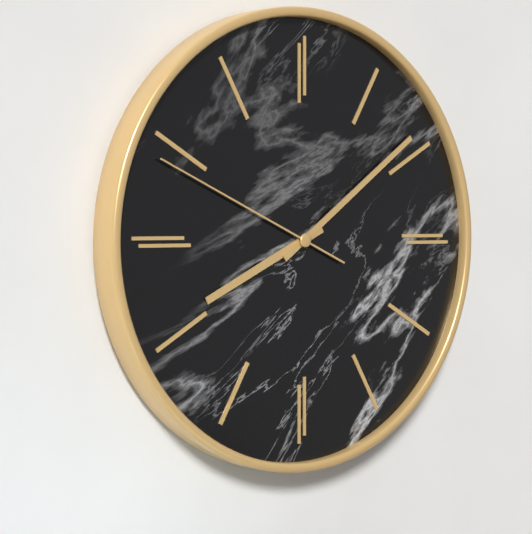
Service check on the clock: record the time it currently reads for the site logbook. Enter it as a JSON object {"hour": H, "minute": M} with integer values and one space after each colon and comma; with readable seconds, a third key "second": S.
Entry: {"hour": 8, "minute": 9, "second": 49}
